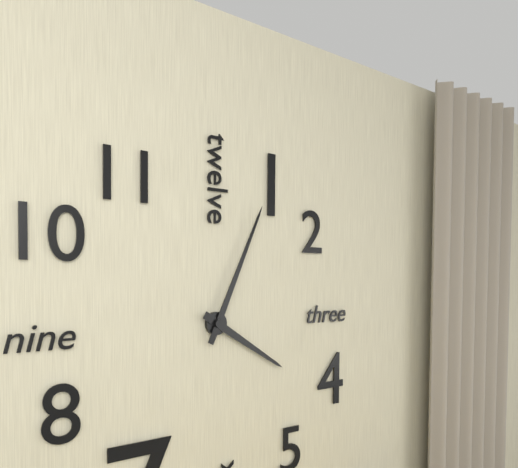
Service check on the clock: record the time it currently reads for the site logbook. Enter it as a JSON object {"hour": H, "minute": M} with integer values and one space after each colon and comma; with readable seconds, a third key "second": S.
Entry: {"hour": 4, "minute": 4}
